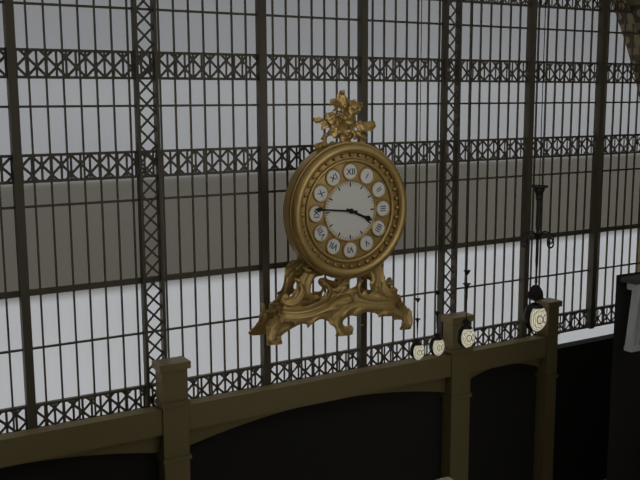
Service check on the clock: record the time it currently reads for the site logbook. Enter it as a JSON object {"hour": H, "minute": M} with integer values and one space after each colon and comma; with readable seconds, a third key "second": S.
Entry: {"hour": 3, "minute": 46}
